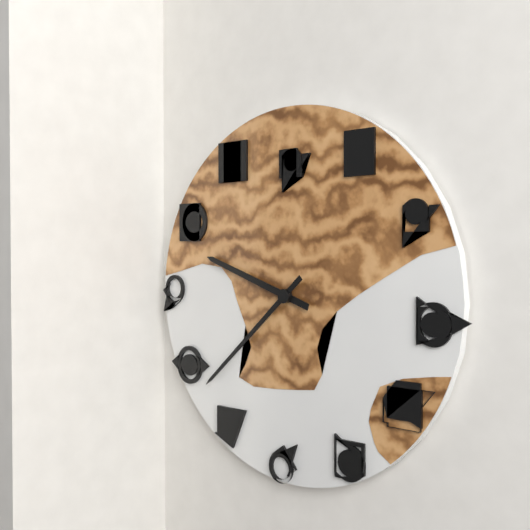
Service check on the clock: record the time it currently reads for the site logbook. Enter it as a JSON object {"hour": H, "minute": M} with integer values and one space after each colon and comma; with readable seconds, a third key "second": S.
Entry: {"hour": 9, "minute": 38}
